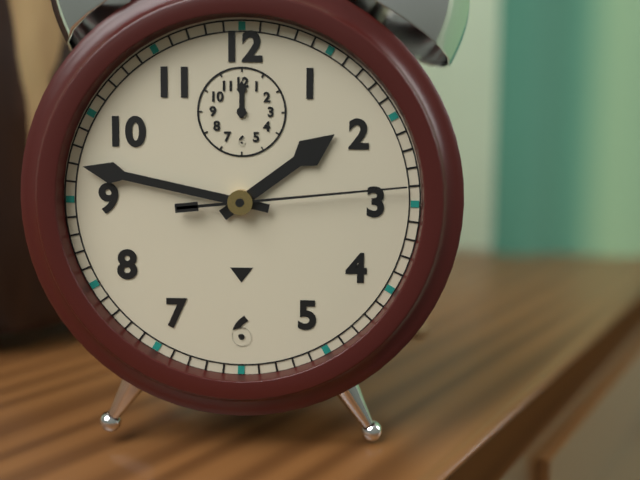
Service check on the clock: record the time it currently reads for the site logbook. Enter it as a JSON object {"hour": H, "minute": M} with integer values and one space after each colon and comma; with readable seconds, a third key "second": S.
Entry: {"hour": 1, "minute": 47, "second": 14}
